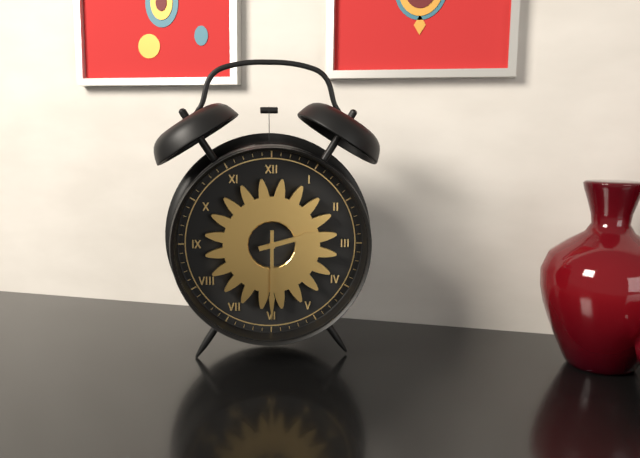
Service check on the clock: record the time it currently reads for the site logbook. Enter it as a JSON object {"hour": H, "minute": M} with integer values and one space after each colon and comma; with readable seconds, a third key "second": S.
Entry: {"hour": 2, "minute": 30}
